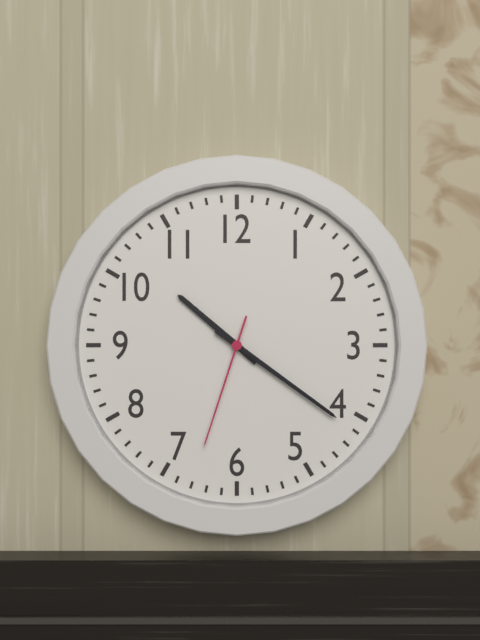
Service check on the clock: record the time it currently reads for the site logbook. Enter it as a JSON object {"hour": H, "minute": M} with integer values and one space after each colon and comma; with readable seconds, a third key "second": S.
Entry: {"hour": 10, "minute": 21, "second": 33}
